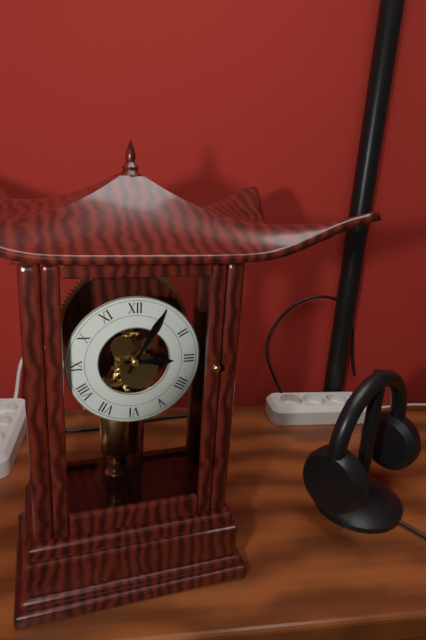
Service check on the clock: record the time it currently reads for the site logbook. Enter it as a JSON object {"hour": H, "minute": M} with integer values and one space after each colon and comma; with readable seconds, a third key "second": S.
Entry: {"hour": 3, "minute": 5}
